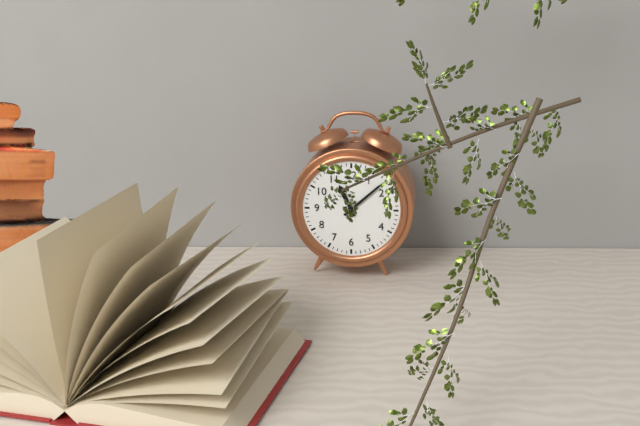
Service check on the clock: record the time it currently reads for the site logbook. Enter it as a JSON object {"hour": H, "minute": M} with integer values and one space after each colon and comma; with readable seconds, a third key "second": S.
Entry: {"hour": 11, "minute": 8}
